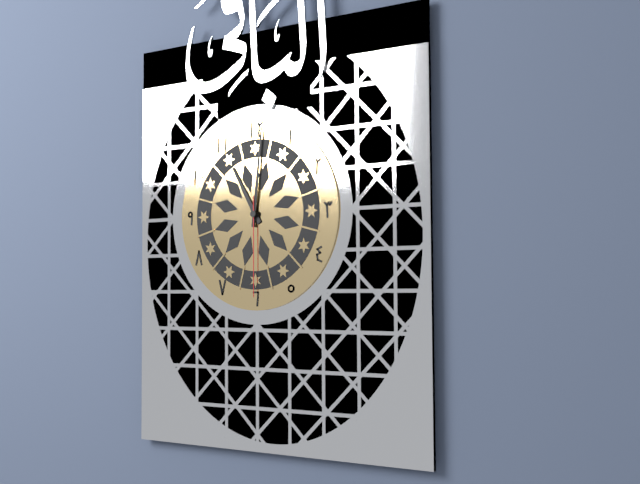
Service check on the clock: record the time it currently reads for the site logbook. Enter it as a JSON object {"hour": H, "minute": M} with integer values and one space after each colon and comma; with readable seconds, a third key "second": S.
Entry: {"hour": 11, "minute": 1, "second": 30}
